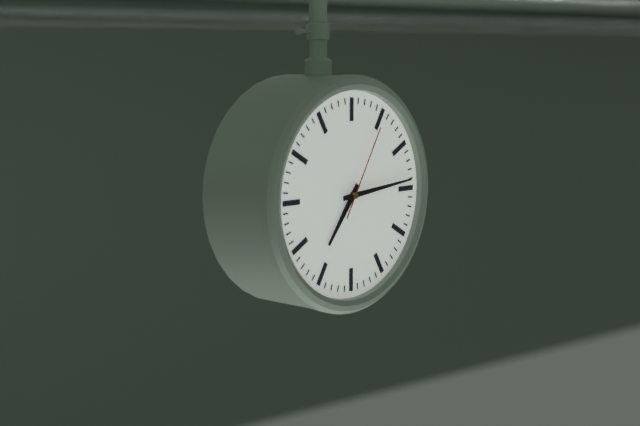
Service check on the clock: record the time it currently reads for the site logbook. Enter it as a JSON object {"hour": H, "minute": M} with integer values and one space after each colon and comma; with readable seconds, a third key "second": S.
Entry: {"hour": 7, "minute": 14, "second": 5}
